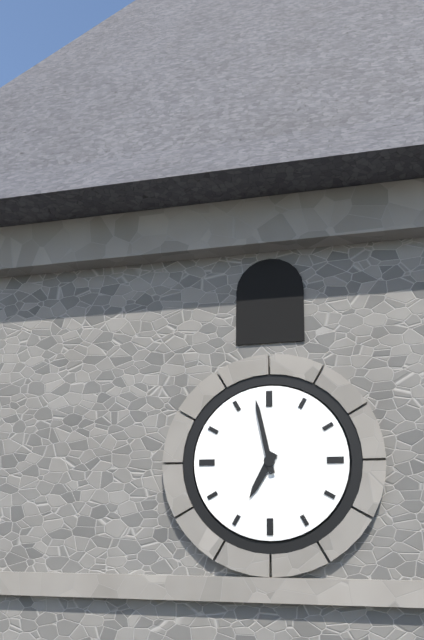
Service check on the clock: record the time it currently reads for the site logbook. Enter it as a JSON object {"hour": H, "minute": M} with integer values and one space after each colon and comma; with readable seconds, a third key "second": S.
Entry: {"hour": 6, "minute": 58}
